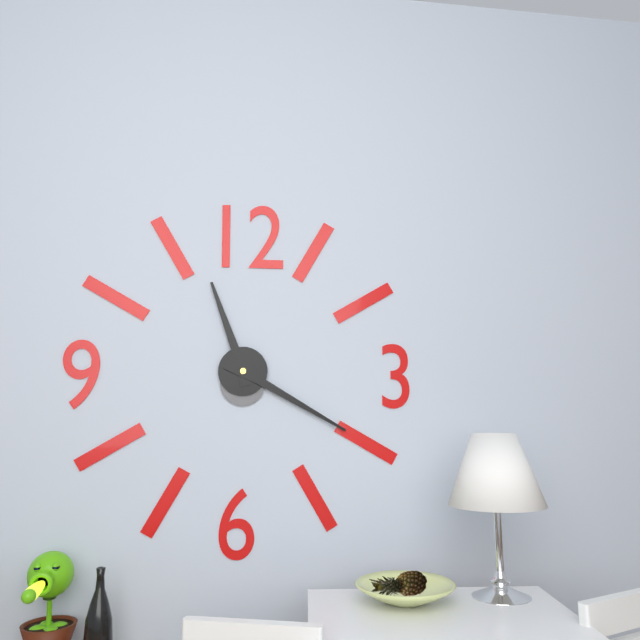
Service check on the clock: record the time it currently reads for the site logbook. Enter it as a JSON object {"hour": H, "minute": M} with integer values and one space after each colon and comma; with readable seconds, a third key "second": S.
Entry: {"hour": 11, "minute": 20}
